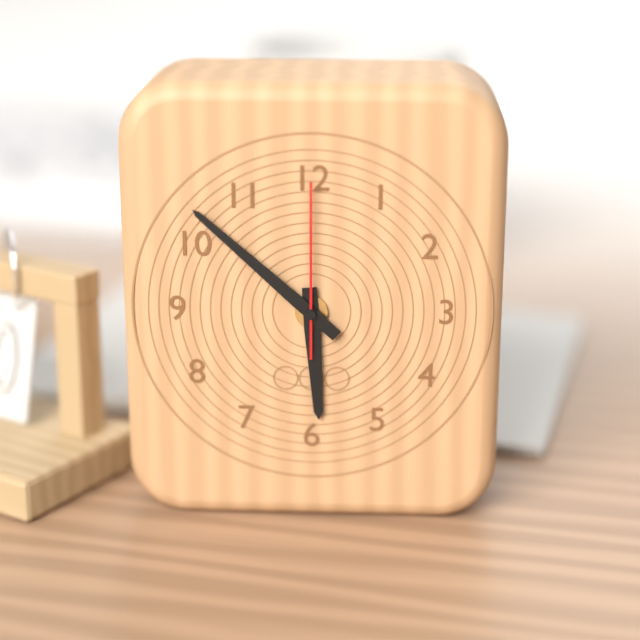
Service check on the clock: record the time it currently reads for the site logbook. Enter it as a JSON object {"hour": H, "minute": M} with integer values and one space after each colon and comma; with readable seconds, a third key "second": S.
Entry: {"hour": 5, "minute": 52, "second": 0}
